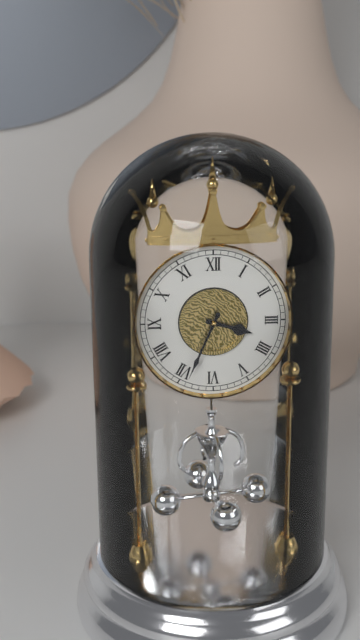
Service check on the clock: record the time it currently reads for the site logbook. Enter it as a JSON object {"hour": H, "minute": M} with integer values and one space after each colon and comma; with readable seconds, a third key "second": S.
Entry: {"hour": 3, "minute": 34}
